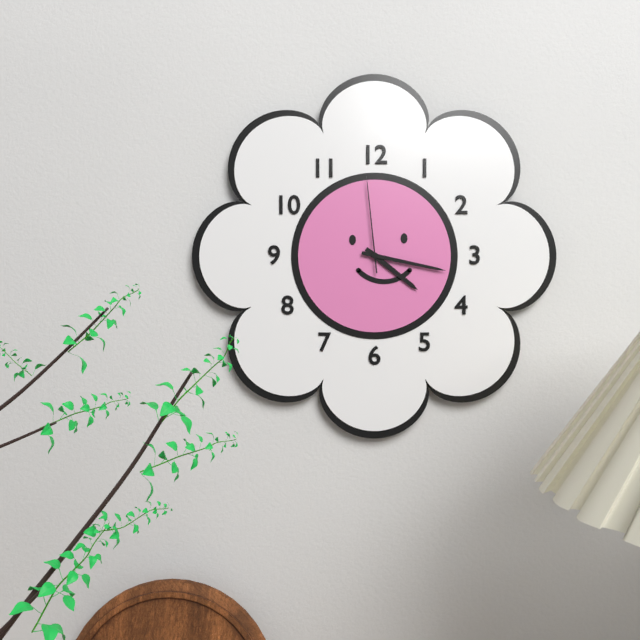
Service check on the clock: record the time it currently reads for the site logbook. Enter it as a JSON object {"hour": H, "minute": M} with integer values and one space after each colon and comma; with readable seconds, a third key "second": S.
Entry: {"hour": 4, "minute": 17, "second": 59}
